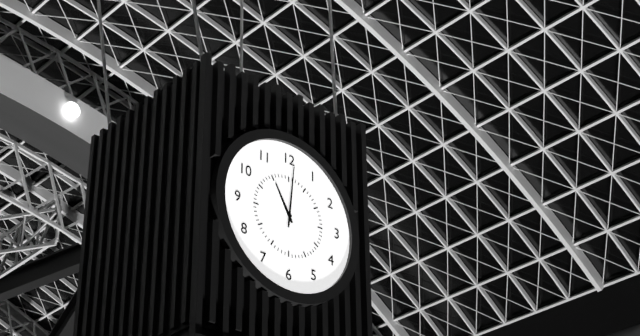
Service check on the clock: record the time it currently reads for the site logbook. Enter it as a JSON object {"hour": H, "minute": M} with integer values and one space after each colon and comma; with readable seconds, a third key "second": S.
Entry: {"hour": 11, "minute": 1}
